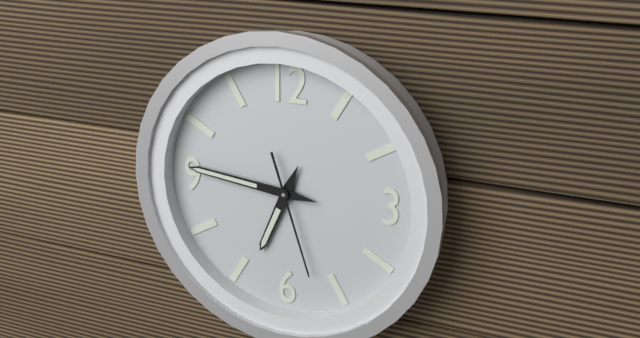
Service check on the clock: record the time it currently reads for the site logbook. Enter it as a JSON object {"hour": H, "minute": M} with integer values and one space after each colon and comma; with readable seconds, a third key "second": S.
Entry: {"hour": 6, "minute": 46, "second": 27}
